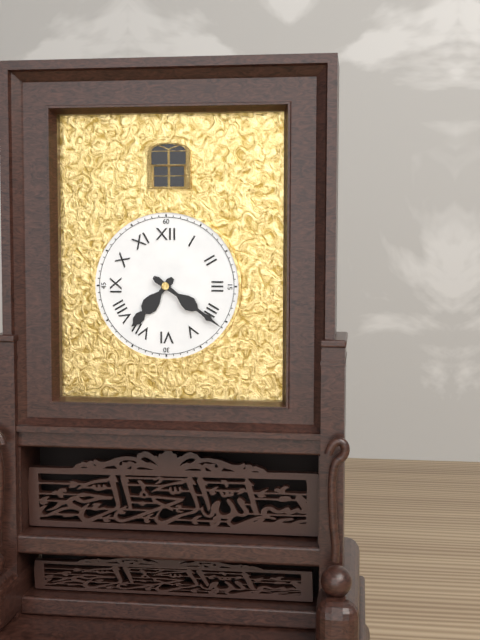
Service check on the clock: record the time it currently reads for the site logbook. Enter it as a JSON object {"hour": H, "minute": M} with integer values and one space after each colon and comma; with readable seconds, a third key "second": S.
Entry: {"hour": 7, "minute": 21}
